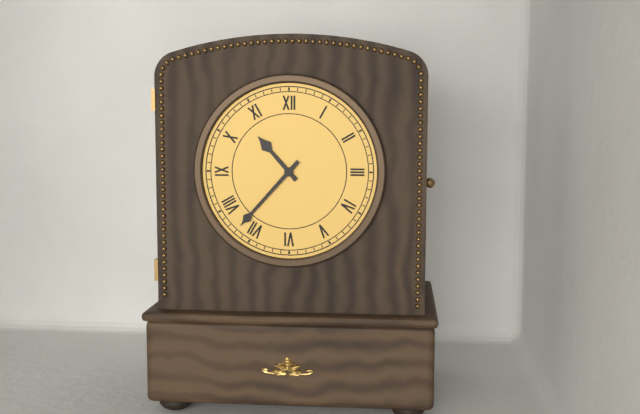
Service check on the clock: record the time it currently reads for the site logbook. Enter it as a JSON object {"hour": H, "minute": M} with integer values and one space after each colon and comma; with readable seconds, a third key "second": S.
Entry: {"hour": 10, "minute": 37}
